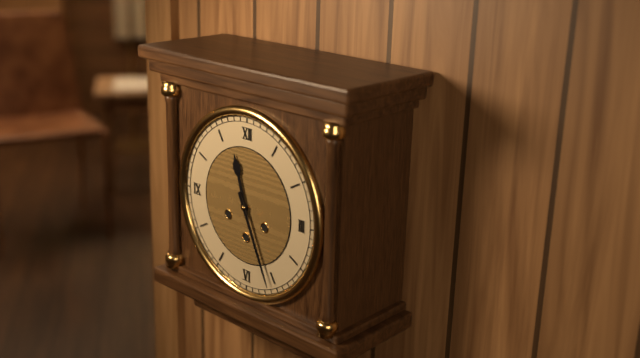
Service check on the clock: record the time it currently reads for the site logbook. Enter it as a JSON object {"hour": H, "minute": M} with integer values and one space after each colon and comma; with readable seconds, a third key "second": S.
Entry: {"hour": 11, "minute": 26}
